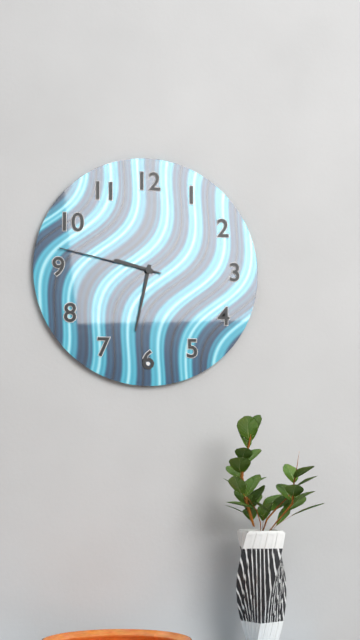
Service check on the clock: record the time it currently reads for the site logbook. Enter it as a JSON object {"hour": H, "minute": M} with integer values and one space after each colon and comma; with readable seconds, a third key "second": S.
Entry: {"hour": 9, "minute": 32, "second": 47}
